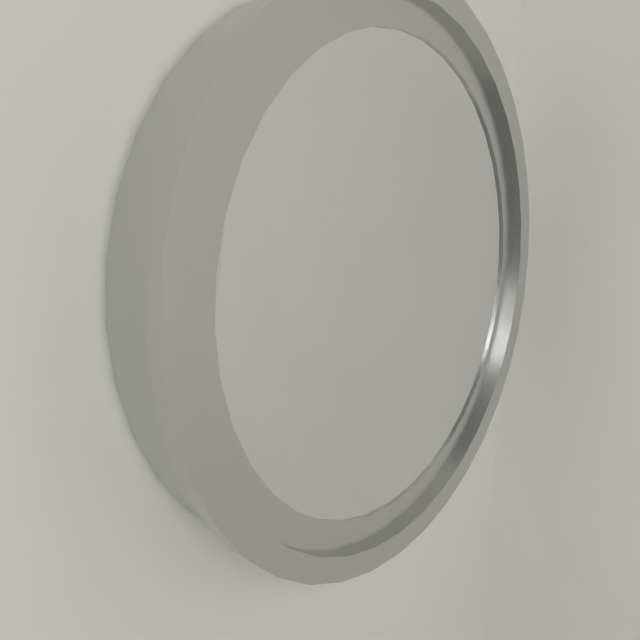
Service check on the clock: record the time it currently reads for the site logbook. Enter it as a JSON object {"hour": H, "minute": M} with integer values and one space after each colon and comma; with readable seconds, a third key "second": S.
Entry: {"hour": 2, "minute": 55}
